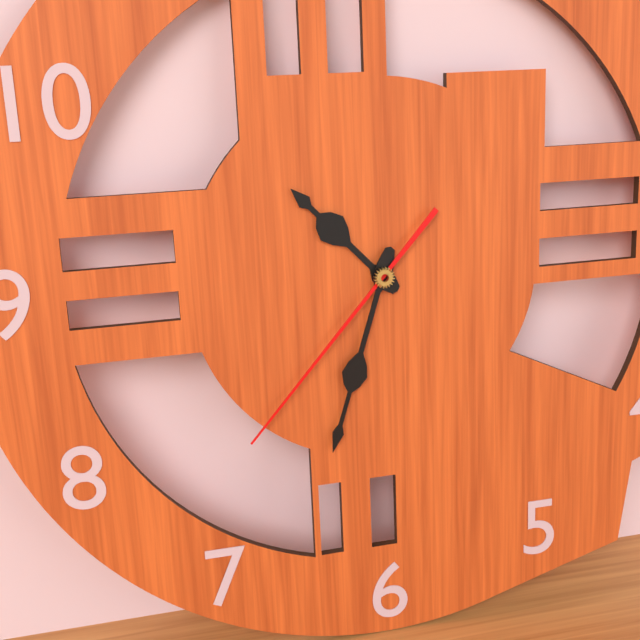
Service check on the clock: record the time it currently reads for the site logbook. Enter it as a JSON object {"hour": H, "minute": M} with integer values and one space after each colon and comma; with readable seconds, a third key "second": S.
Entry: {"hour": 10, "minute": 33, "second": 37}
